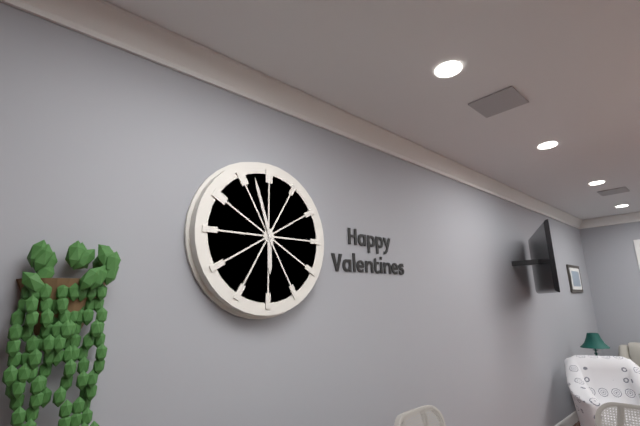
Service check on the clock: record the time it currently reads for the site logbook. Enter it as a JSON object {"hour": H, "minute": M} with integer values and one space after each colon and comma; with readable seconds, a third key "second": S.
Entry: {"hour": 5, "minute": 57}
